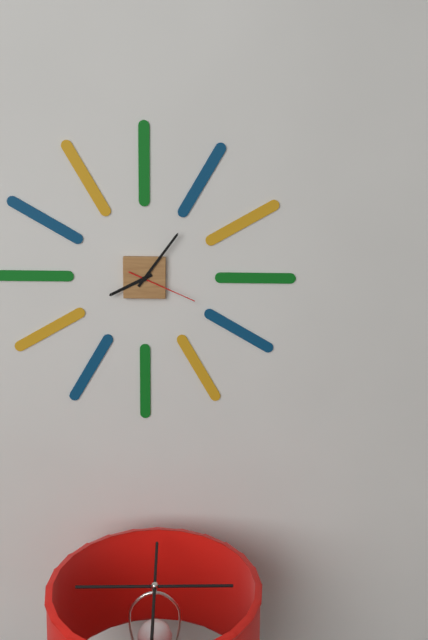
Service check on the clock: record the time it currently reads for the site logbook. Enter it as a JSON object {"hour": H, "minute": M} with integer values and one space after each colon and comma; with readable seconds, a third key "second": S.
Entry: {"hour": 8, "minute": 6, "second": 19}
